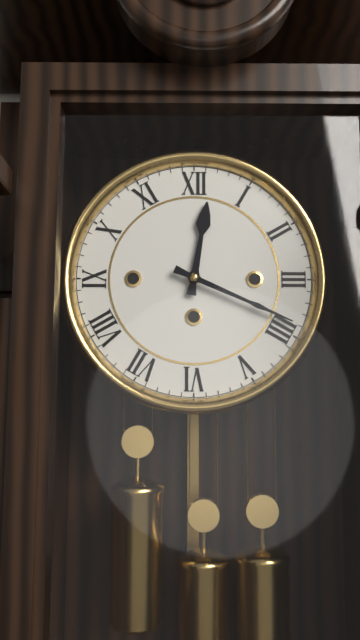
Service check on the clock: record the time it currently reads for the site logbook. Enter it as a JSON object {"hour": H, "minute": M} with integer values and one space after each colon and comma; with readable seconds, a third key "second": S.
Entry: {"hour": 12, "minute": 19}
